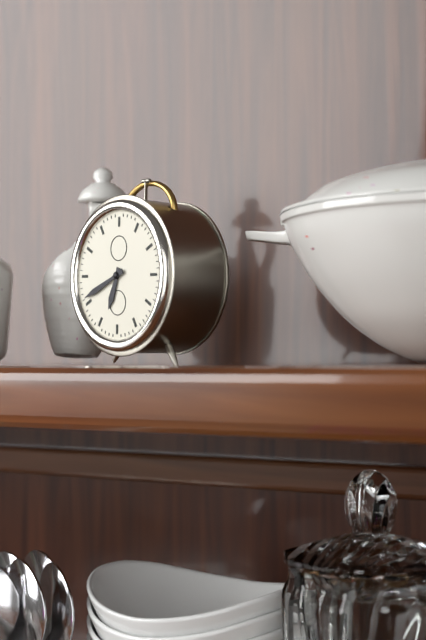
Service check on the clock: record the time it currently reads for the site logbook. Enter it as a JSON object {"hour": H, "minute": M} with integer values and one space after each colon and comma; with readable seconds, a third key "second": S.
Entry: {"hour": 6, "minute": 41}
